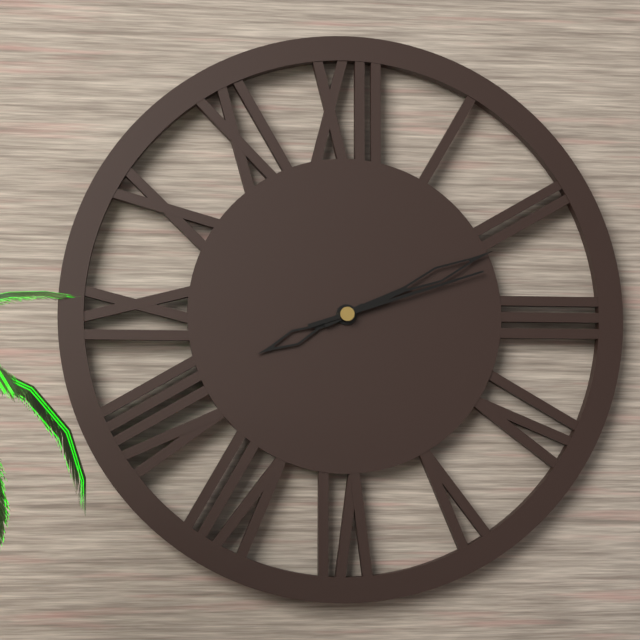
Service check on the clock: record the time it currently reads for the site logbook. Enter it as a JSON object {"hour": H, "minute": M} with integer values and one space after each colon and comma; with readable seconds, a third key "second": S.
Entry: {"hour": 8, "minute": 11, "second": 12}
